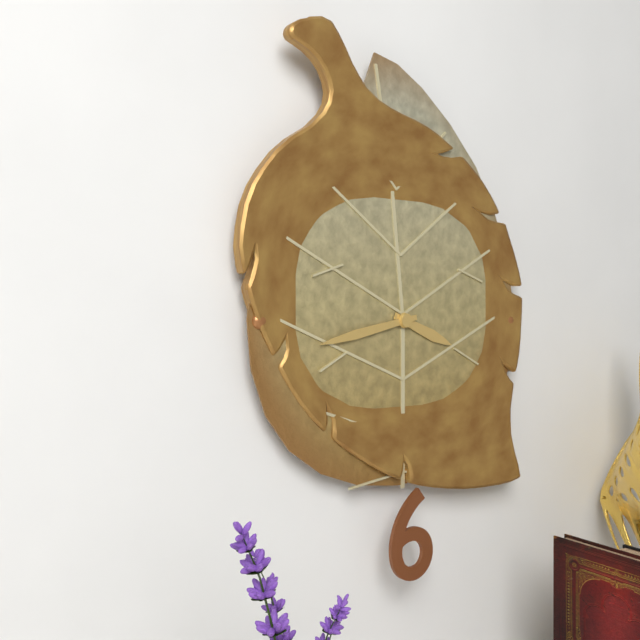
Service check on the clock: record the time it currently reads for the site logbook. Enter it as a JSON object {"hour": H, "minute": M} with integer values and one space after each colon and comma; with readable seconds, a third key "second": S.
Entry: {"hour": 3, "minute": 43}
